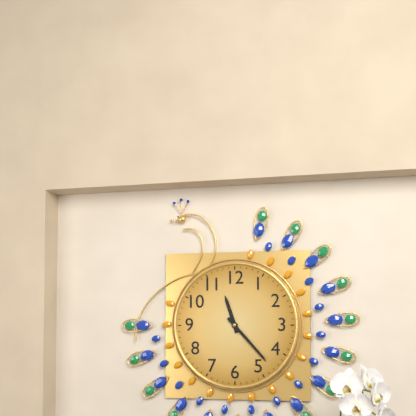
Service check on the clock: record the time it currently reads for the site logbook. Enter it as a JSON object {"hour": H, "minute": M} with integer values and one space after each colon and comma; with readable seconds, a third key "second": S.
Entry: {"hour": 11, "minute": 23}
